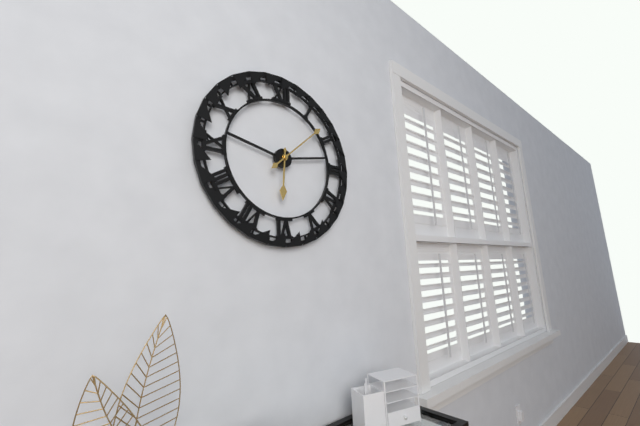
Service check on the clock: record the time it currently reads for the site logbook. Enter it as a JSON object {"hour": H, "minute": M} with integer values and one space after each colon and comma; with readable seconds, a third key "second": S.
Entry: {"hour": 6, "minute": 8}
